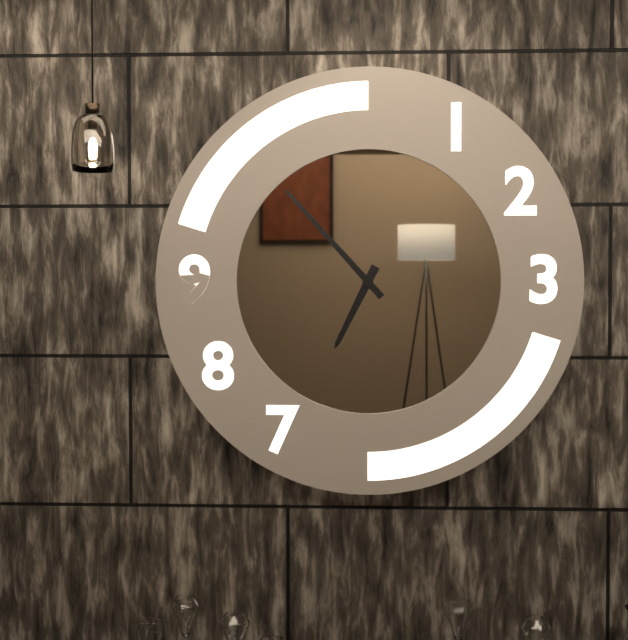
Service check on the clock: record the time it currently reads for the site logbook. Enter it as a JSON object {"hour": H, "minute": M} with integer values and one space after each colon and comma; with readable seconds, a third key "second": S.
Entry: {"hour": 6, "minute": 53}
